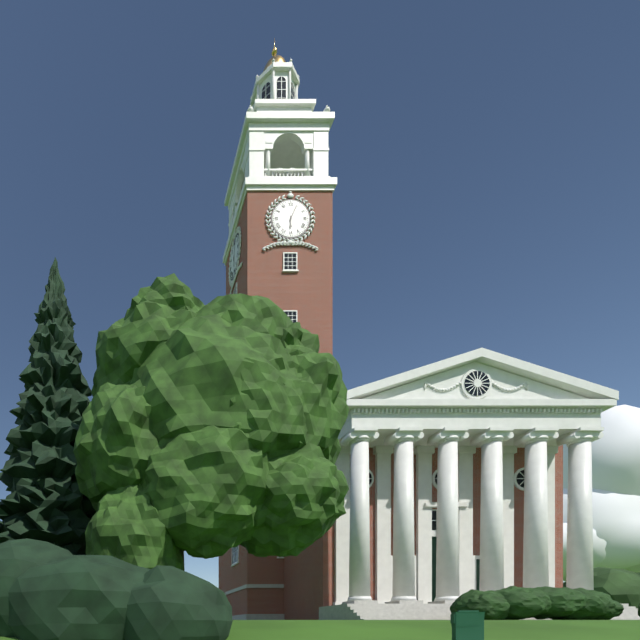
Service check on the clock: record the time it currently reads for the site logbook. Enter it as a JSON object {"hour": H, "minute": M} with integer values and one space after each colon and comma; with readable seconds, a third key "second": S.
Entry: {"hour": 6, "minute": 4}
